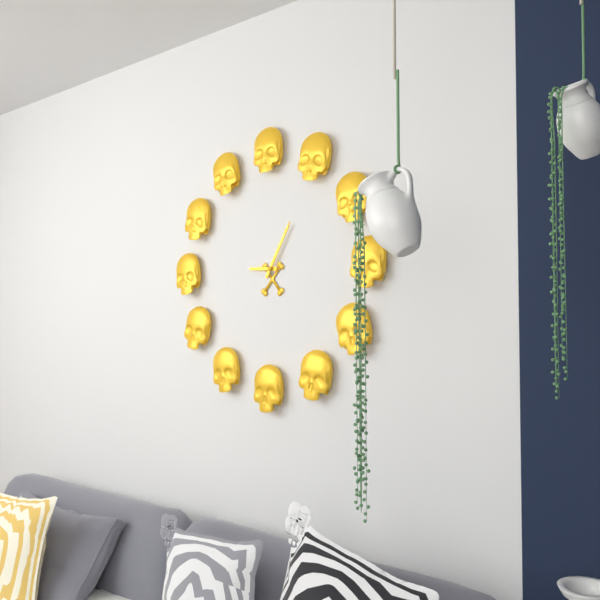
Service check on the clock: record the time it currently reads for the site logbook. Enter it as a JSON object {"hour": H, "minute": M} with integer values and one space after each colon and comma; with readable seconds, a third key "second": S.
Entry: {"hour": 9, "minute": 5}
